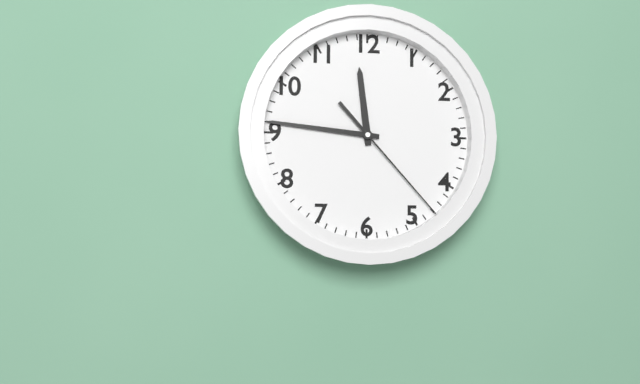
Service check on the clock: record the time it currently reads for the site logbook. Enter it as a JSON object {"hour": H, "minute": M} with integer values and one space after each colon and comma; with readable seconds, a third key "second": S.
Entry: {"hour": 11, "minute": 46, "second": 23}
